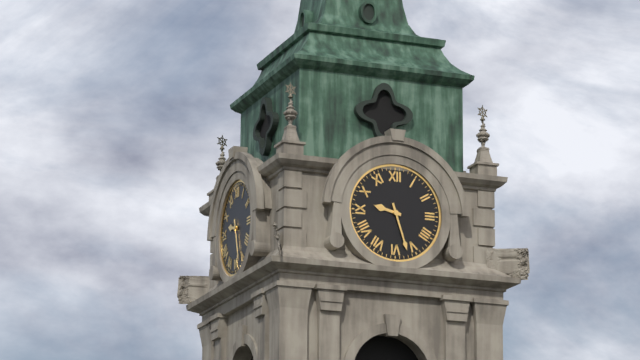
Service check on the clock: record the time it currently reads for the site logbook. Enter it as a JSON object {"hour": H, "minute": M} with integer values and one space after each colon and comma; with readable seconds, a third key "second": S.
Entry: {"hour": 9, "minute": 27}
